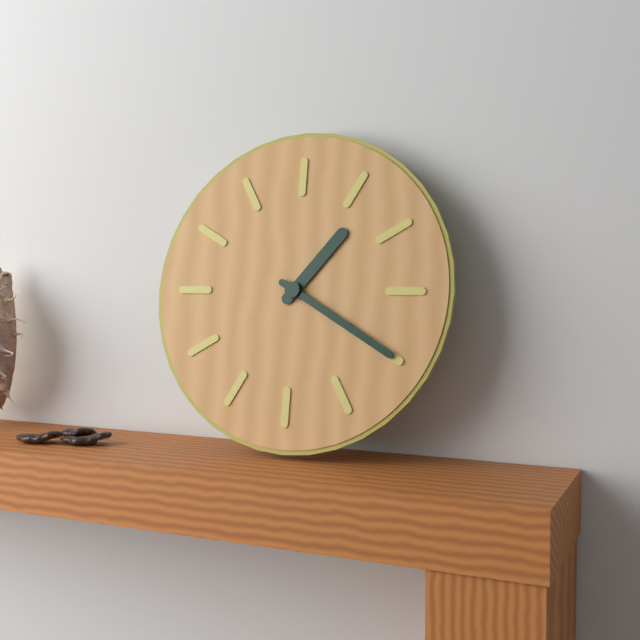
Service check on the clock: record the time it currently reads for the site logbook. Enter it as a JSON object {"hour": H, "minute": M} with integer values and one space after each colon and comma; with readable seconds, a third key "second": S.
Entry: {"hour": 1, "minute": 20}
